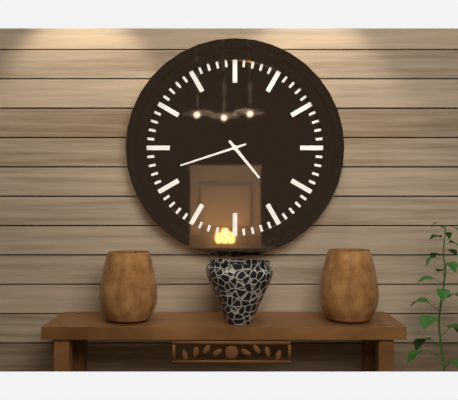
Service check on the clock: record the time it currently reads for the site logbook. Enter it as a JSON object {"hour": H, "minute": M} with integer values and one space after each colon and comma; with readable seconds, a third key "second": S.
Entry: {"hour": 4, "minute": 42}
